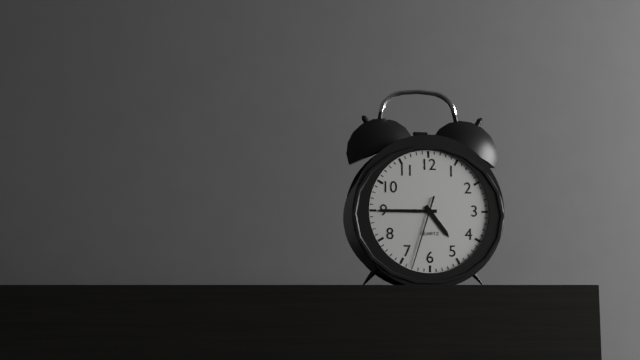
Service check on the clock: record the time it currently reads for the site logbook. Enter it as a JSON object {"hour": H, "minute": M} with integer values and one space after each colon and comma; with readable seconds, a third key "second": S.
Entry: {"hour": 4, "minute": 45, "second": 33}
